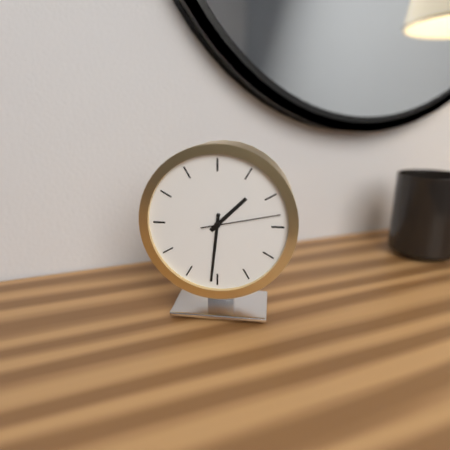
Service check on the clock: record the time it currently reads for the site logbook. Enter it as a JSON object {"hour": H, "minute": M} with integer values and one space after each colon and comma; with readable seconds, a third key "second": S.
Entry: {"hour": 1, "minute": 31, "second": 13}
